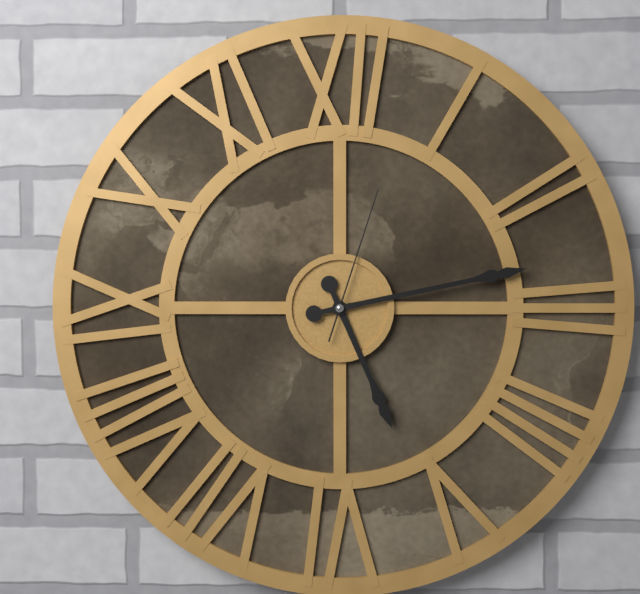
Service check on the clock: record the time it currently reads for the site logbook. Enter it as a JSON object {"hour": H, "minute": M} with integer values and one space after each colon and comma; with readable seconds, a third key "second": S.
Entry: {"hour": 5, "minute": 13, "second": 3}
